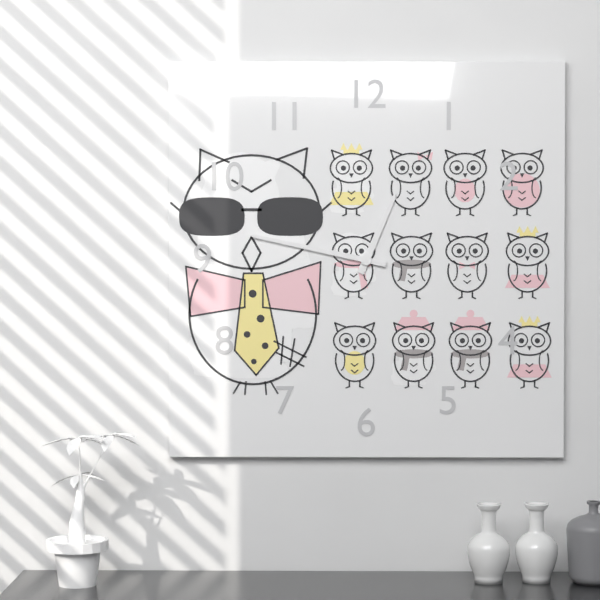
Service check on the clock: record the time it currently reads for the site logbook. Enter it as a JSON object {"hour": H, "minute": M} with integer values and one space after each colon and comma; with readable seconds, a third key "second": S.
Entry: {"hour": 12, "minute": 47}
